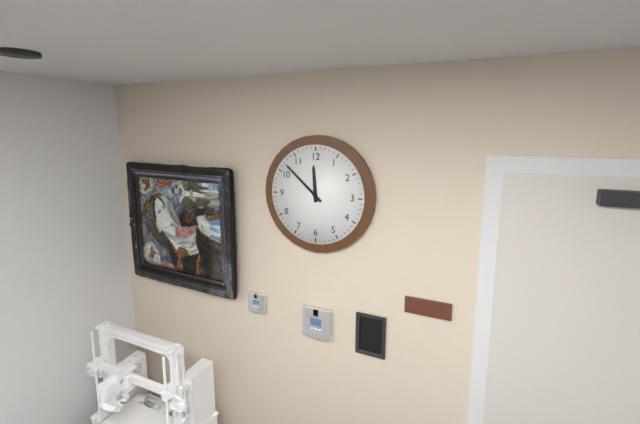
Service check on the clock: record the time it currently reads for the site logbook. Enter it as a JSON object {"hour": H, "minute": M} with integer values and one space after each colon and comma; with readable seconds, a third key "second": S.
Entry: {"hour": 11, "minute": 52}
